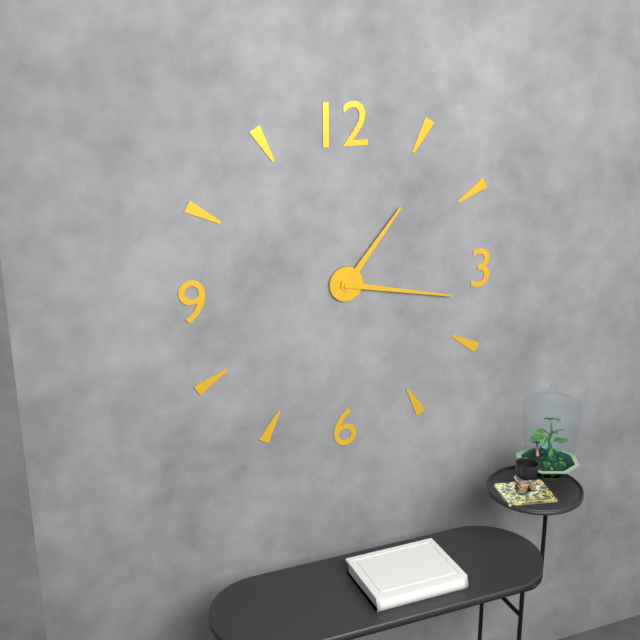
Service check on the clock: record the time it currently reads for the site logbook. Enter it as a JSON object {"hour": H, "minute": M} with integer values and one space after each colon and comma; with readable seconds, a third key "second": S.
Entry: {"hour": 1, "minute": 17}
